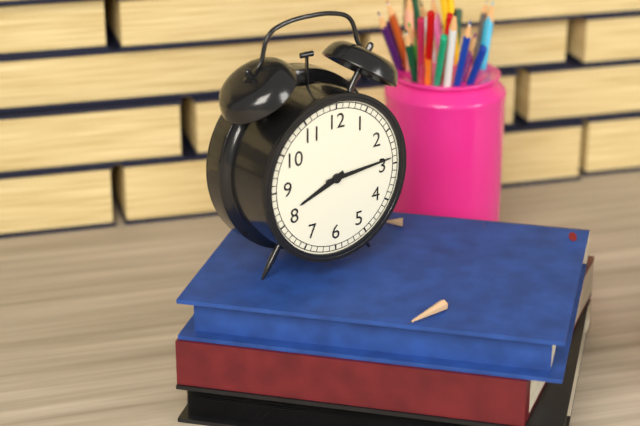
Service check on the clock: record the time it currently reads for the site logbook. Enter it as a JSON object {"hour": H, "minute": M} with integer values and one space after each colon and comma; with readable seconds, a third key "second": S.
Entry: {"hour": 8, "minute": 14}
